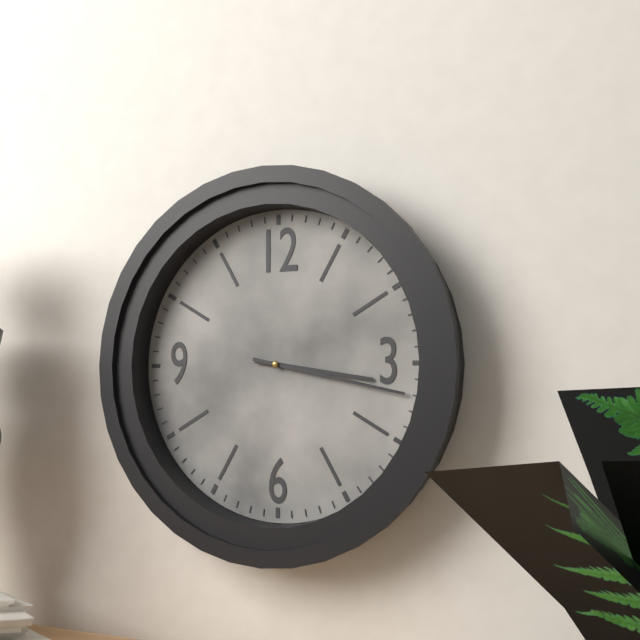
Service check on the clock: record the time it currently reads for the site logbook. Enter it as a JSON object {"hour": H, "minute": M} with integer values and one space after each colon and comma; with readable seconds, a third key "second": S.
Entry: {"hour": 3, "minute": 17}
